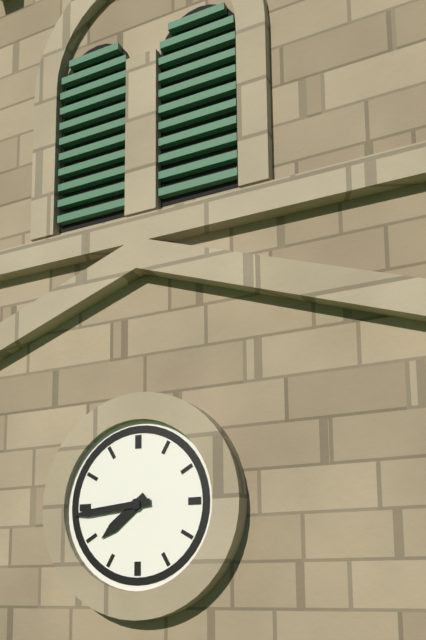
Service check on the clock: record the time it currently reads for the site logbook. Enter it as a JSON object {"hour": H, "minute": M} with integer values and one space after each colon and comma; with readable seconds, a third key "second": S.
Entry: {"hour": 7, "minute": 44}
